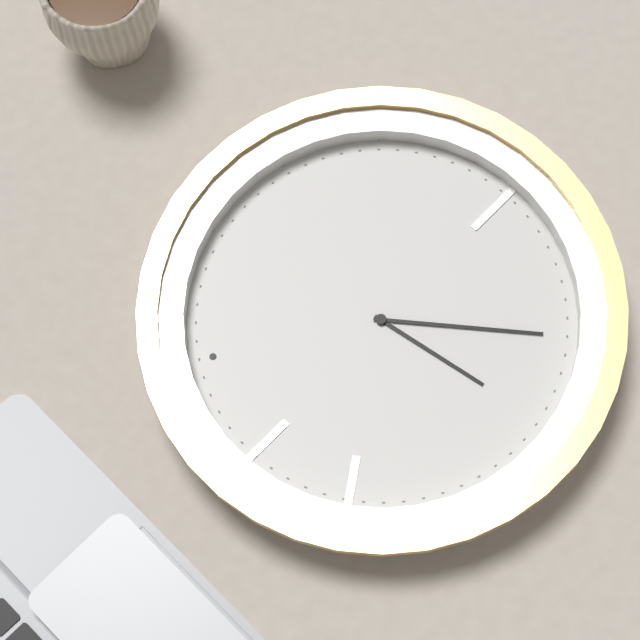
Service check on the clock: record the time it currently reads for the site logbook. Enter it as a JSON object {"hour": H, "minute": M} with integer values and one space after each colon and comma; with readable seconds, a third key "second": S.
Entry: {"hour": 7, "minute": 33}
